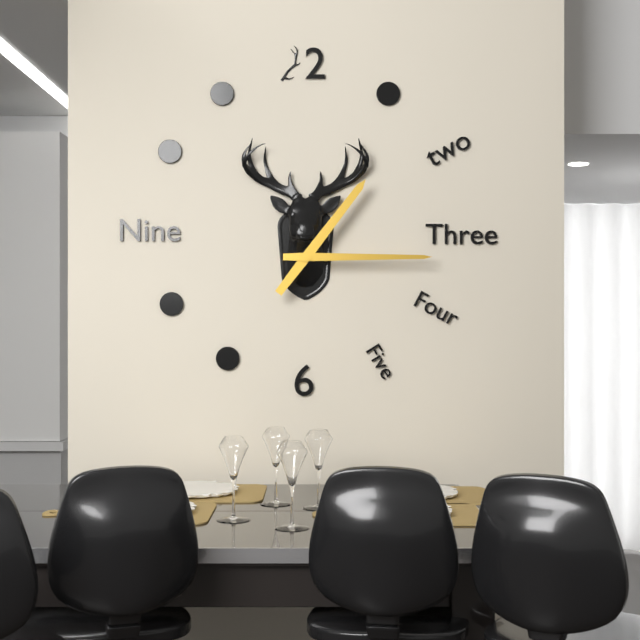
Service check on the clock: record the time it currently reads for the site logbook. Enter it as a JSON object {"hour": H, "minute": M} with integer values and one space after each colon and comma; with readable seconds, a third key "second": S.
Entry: {"hour": 1, "minute": 15}
